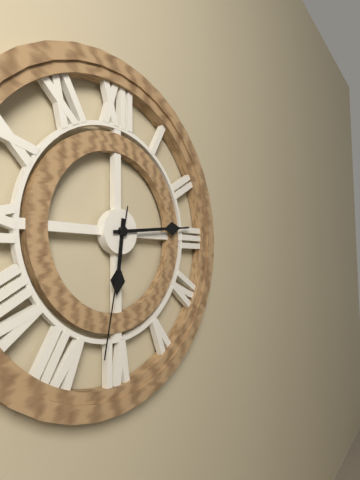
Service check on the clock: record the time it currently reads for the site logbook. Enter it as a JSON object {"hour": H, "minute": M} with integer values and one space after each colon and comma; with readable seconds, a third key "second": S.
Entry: {"hour": 6, "minute": 14, "second": 32}
